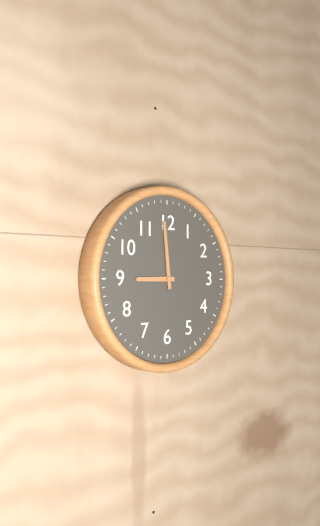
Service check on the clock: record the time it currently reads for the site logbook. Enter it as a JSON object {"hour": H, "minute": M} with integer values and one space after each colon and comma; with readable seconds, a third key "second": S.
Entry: {"hour": 8, "minute": 59}
